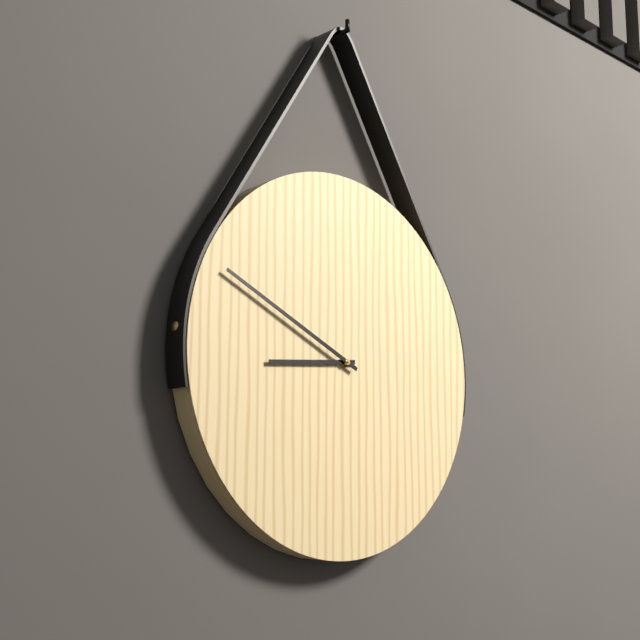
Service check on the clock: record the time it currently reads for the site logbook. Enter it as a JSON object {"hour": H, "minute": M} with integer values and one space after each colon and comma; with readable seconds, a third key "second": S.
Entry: {"hour": 8, "minute": 49}
